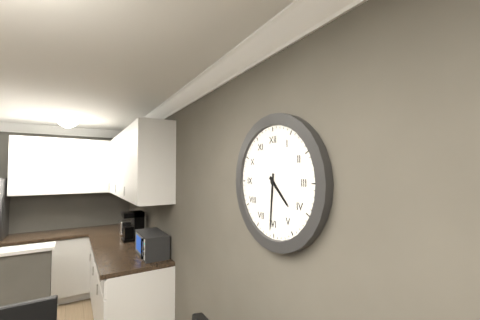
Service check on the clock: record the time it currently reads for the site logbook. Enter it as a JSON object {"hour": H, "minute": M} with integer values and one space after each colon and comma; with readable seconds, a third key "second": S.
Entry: {"hour": 4, "minute": 31}
